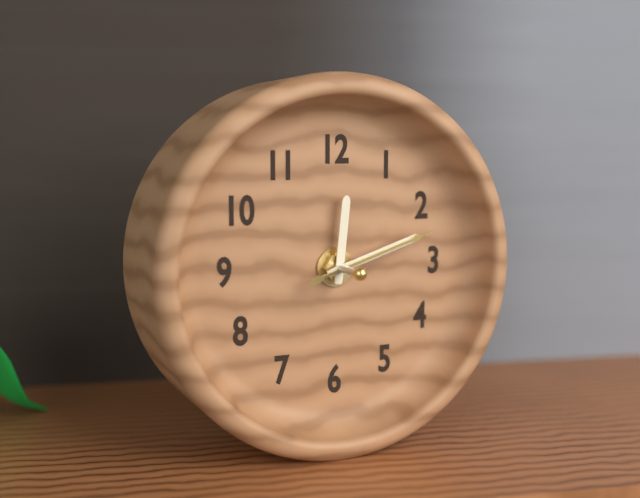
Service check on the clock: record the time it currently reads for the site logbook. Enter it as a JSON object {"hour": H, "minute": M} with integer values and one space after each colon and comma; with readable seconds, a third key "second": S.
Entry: {"hour": 12, "minute": 12, "second": 12}
